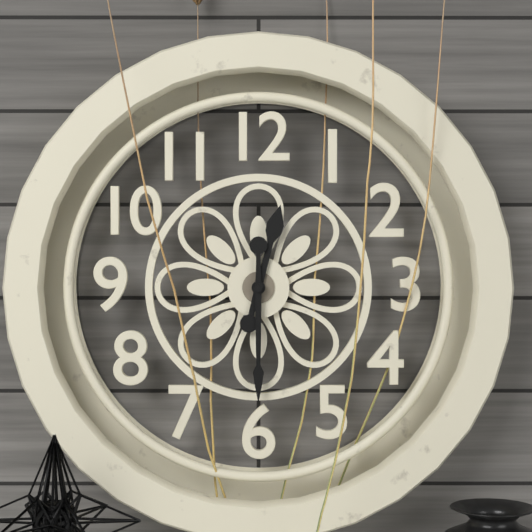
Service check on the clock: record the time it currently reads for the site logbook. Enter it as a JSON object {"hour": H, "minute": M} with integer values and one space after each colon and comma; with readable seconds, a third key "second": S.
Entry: {"hour": 12, "minute": 30}
